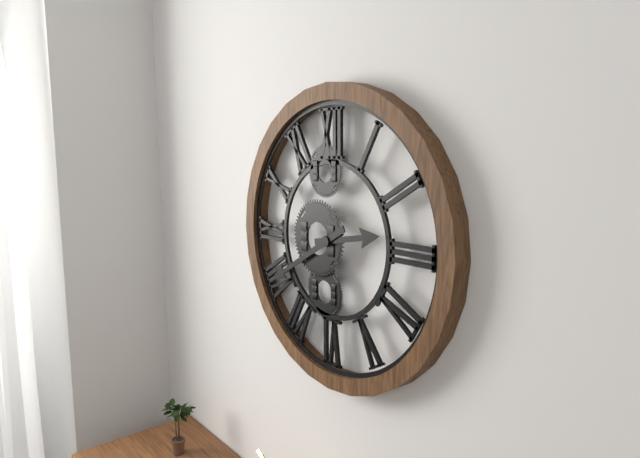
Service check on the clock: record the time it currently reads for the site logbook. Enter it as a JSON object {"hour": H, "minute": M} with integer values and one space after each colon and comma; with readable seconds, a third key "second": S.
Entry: {"hour": 2, "minute": 40}
